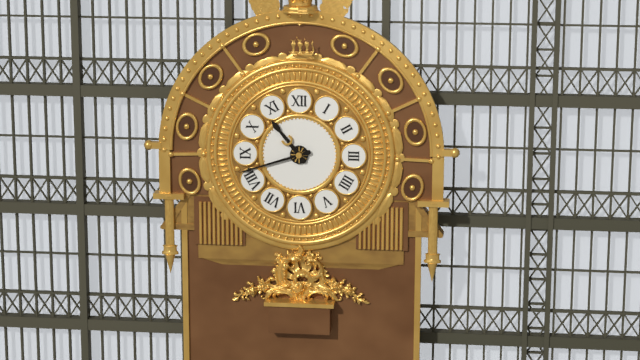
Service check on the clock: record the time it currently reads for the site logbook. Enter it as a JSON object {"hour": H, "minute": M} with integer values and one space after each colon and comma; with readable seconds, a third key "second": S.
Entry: {"hour": 10, "minute": 42}
